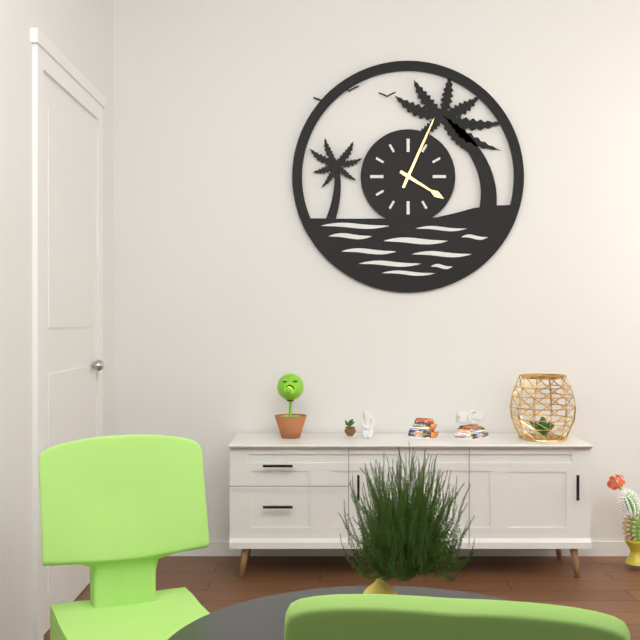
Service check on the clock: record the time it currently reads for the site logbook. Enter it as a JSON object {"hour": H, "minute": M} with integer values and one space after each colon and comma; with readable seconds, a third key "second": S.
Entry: {"hour": 4, "minute": 4}
